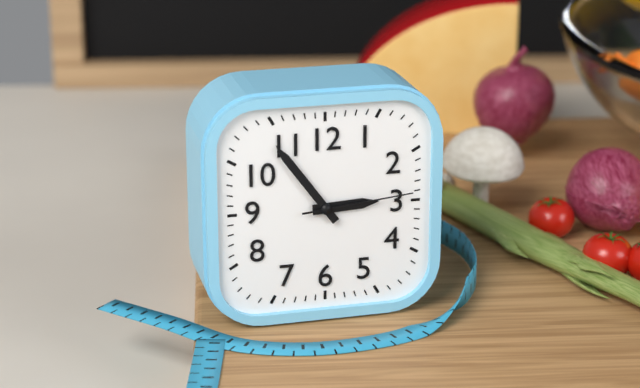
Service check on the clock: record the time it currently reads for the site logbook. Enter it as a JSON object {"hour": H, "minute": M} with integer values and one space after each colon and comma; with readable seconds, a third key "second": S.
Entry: {"hour": 2, "minute": 54, "second": 14}
